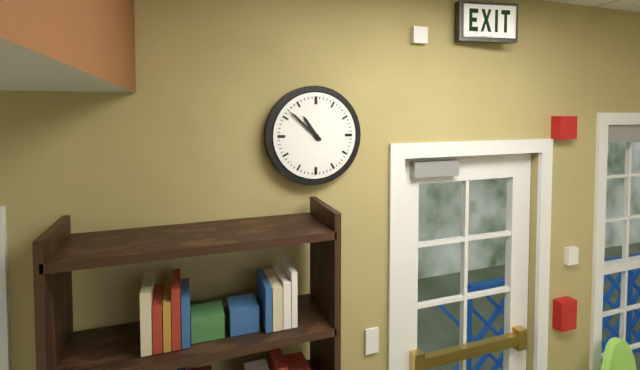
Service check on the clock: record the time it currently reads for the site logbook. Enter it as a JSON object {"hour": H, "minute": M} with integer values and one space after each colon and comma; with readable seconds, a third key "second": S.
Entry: {"hour": 10, "minute": 52}
